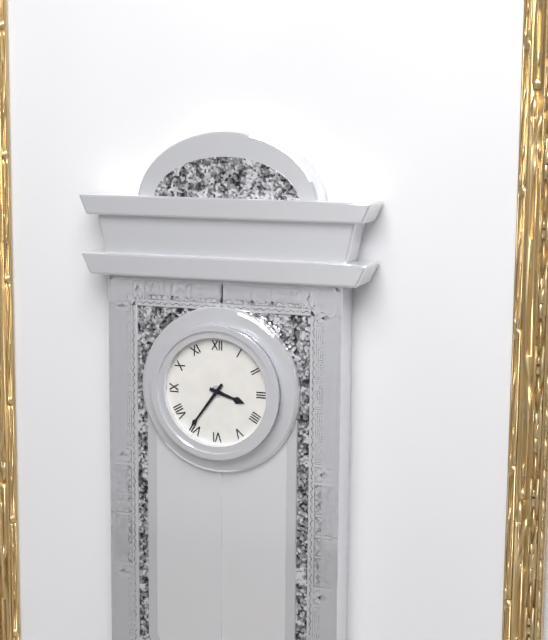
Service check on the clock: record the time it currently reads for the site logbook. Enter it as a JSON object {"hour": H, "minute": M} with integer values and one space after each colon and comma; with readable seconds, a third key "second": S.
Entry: {"hour": 3, "minute": 36}
